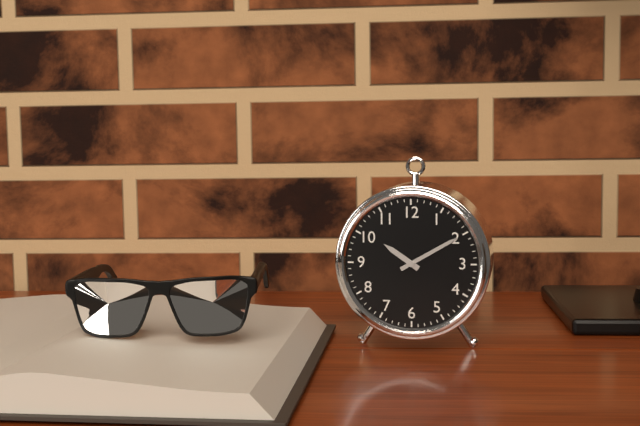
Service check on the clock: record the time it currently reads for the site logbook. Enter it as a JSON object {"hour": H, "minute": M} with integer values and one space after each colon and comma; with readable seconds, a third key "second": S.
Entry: {"hour": 10, "minute": 10}
